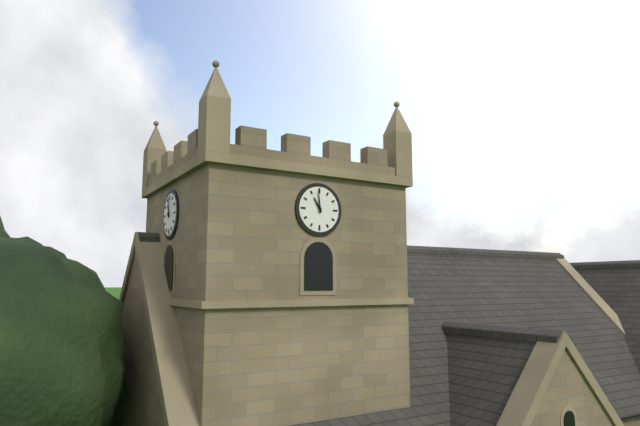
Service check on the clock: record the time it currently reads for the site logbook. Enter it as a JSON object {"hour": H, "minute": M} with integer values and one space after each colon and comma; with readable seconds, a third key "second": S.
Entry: {"hour": 10, "minute": 59}
